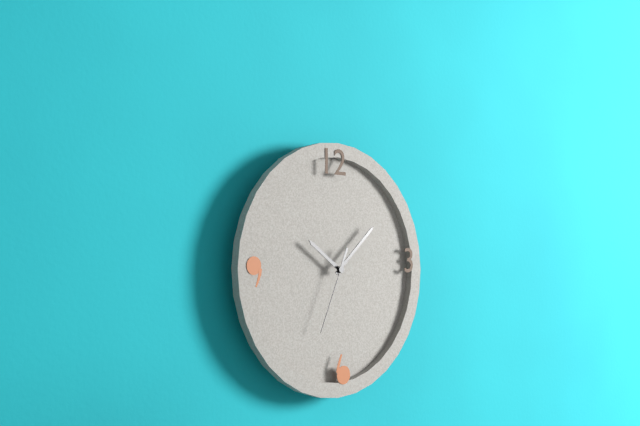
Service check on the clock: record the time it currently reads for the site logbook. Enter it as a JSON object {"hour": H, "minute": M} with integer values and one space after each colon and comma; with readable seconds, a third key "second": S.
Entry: {"hour": 10, "minute": 8, "second": 34}
